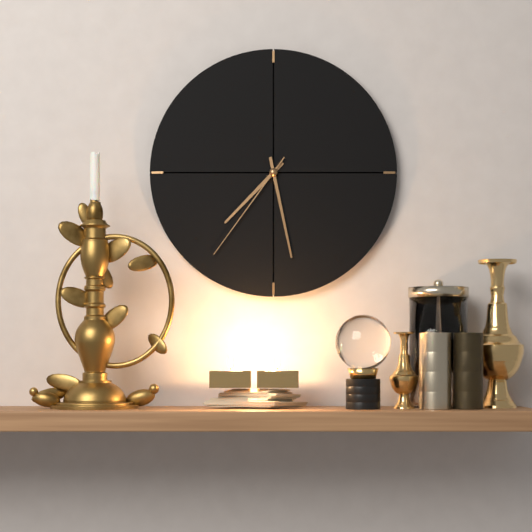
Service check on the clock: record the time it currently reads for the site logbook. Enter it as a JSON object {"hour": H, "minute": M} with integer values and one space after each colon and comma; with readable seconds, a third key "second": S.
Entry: {"hour": 7, "minute": 28, "second": 36}
